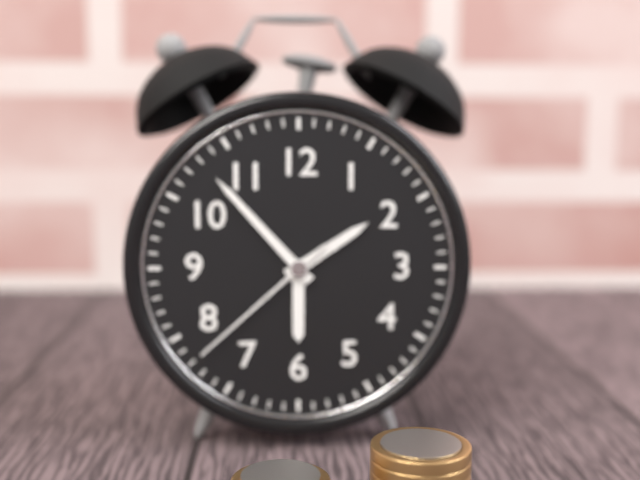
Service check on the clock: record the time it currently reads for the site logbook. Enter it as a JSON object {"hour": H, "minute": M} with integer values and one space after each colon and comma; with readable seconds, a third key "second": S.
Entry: {"hour": 1, "minute": 53, "second": 38}
